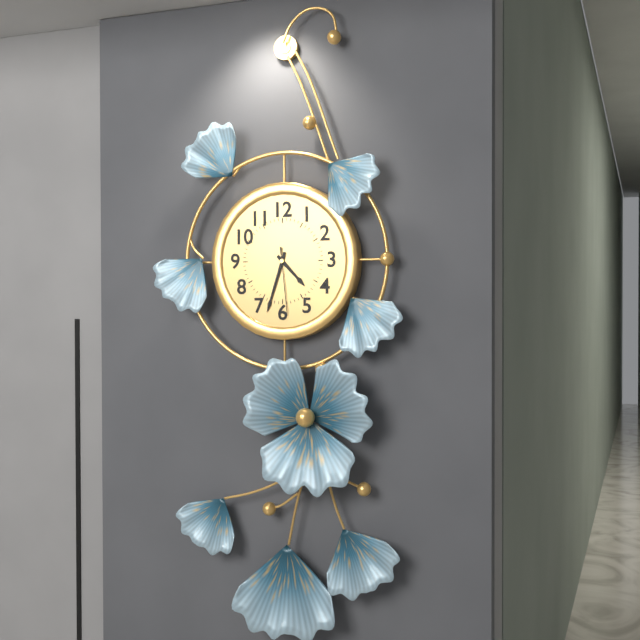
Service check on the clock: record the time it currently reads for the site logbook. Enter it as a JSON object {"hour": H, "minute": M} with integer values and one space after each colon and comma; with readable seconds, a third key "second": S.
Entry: {"hour": 4, "minute": 33, "second": 29}
